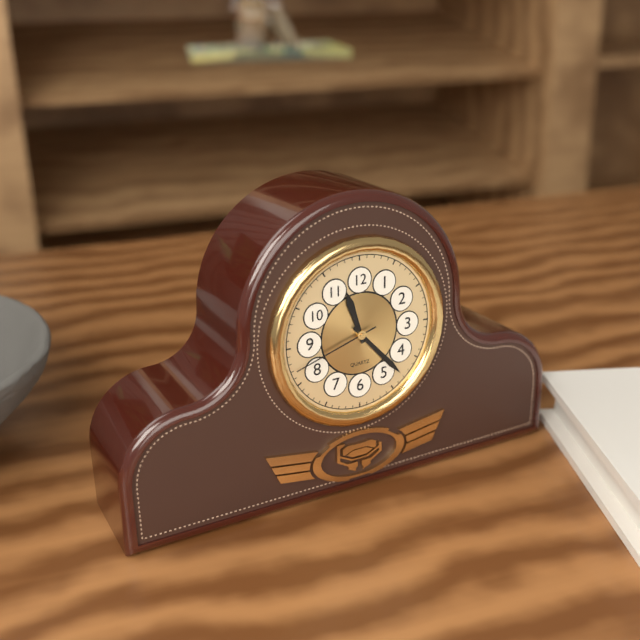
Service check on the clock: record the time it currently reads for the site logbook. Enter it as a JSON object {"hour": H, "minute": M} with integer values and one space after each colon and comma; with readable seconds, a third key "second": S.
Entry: {"hour": 11, "minute": 23, "second": 42}
